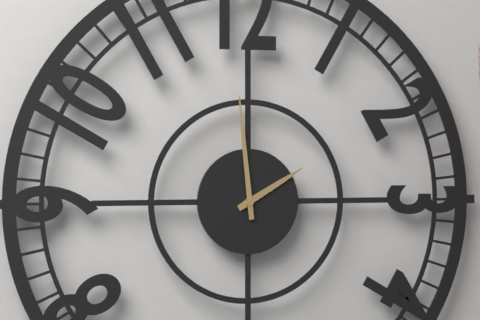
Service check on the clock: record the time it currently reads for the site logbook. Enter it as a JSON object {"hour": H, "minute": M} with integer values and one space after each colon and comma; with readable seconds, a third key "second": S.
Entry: {"hour": 1, "minute": 59}
